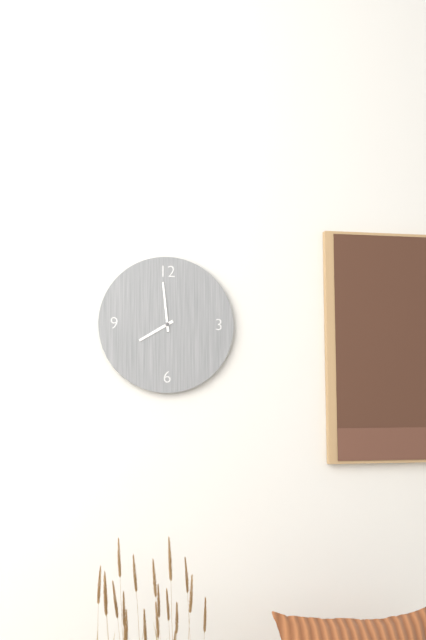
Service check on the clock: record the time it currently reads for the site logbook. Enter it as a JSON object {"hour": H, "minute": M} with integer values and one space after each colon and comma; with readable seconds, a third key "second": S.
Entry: {"hour": 7, "minute": 59}
